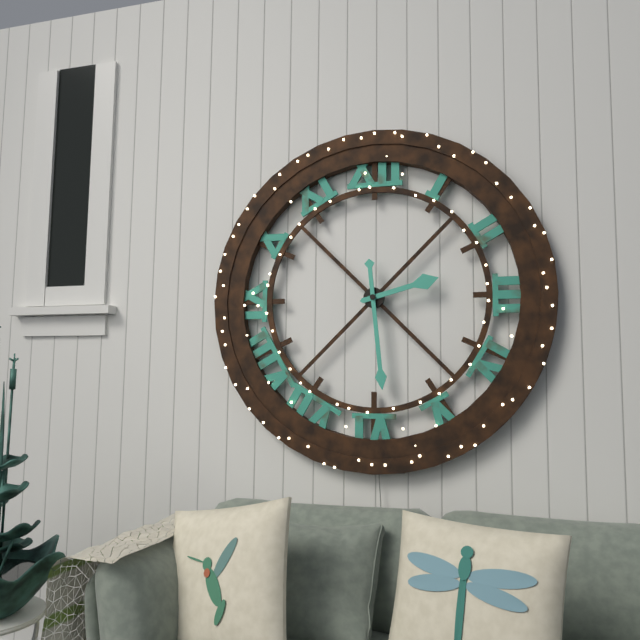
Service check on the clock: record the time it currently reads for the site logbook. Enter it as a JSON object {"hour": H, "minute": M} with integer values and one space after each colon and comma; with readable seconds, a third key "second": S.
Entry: {"hour": 2, "minute": 29}
